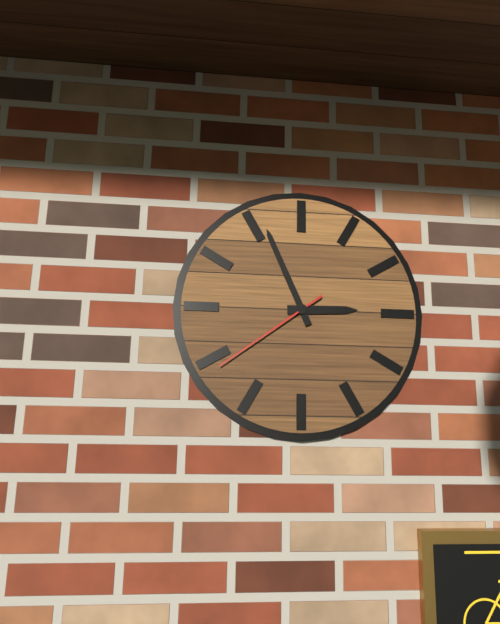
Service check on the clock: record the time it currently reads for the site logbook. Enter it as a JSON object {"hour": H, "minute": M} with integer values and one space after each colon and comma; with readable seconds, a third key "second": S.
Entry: {"hour": 2, "minute": 56, "second": 39}
